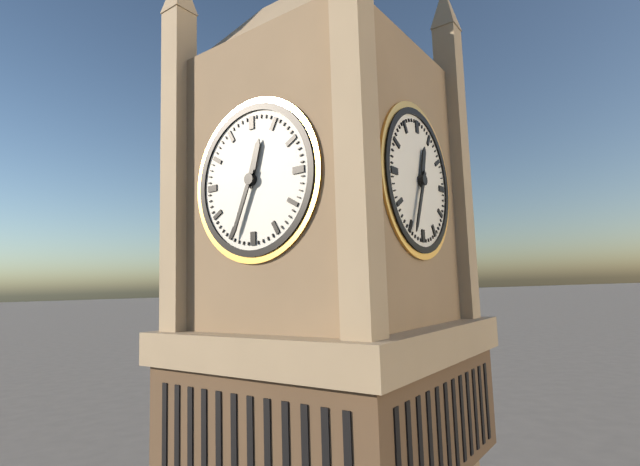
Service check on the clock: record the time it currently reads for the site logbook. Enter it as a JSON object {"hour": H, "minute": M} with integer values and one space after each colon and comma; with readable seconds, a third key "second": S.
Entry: {"hour": 12, "minute": 34}
